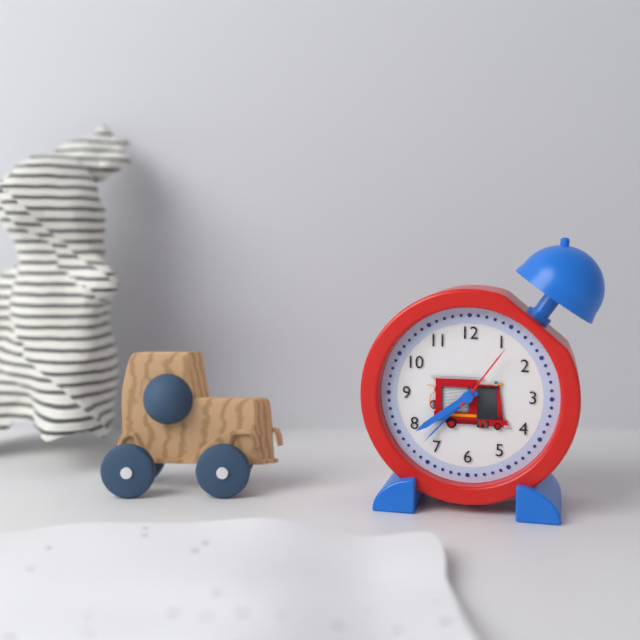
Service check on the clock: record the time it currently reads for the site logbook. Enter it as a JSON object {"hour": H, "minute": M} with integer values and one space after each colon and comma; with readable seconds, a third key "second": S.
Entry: {"hour": 7, "minute": 39, "second": 6}
